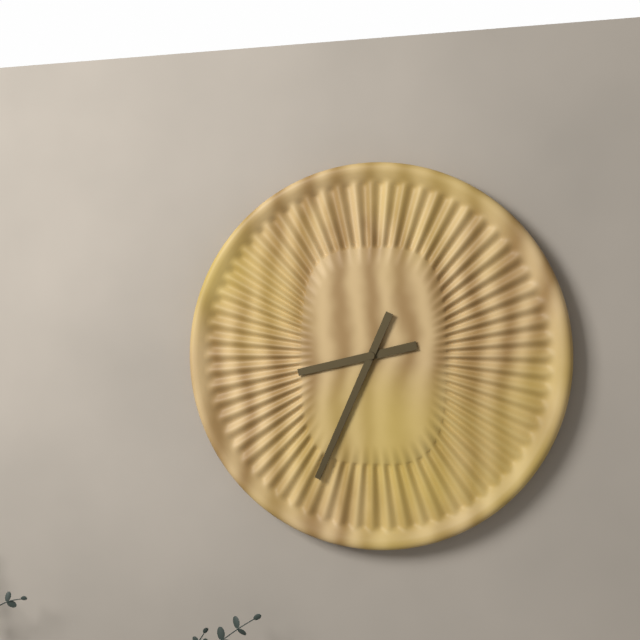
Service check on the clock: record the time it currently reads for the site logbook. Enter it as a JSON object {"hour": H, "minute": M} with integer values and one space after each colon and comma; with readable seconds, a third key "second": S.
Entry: {"hour": 8, "minute": 34}
